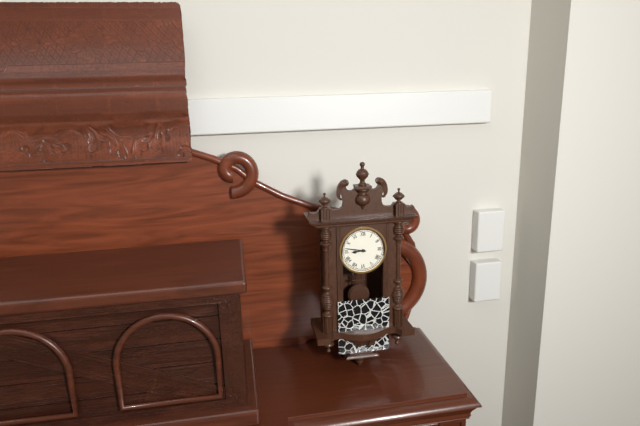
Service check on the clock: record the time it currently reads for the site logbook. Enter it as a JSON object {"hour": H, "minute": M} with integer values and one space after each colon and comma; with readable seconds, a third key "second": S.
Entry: {"hour": 8, "minute": 47}
